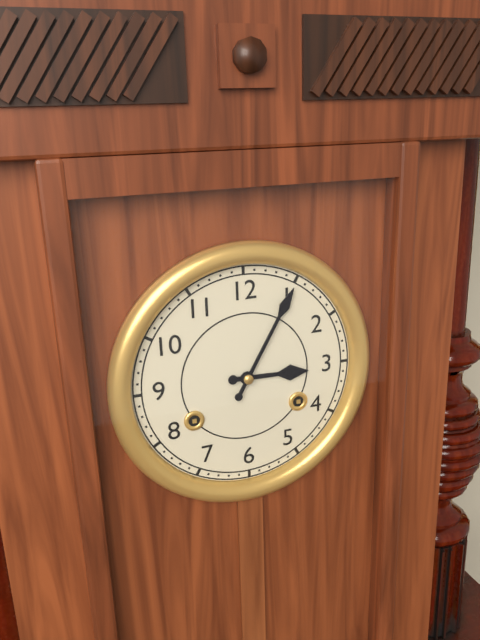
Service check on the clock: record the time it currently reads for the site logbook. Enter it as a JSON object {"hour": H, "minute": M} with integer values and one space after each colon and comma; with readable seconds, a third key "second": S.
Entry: {"hour": 3, "minute": 5}
